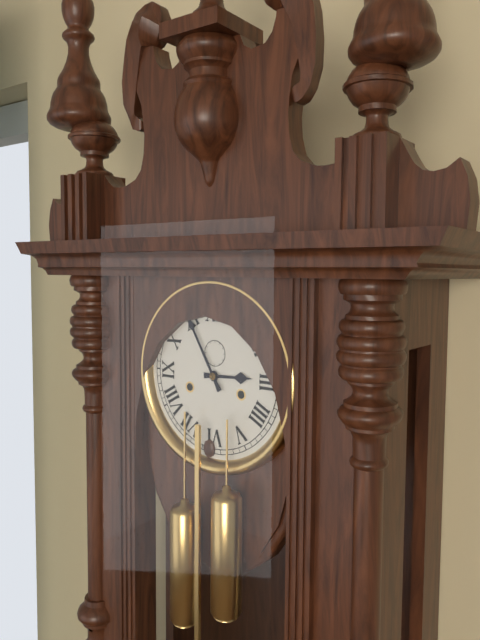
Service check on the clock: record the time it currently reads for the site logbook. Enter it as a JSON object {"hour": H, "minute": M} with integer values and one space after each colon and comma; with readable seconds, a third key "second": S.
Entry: {"hour": 2, "minute": 55}
